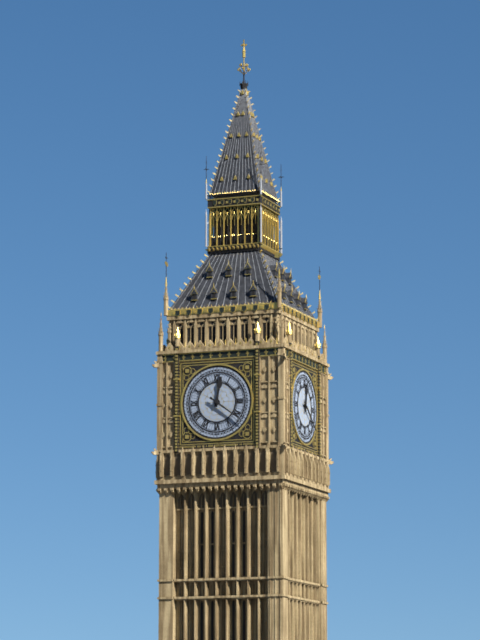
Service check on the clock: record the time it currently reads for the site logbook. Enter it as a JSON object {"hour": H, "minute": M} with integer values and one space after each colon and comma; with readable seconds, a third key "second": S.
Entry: {"hour": 12, "minute": 21}
